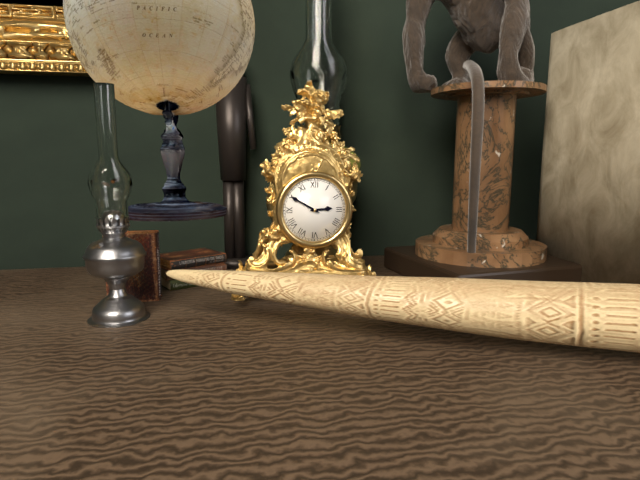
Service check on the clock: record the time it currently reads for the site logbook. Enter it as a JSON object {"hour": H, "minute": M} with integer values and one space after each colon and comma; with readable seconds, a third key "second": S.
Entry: {"hour": 2, "minute": 50}
